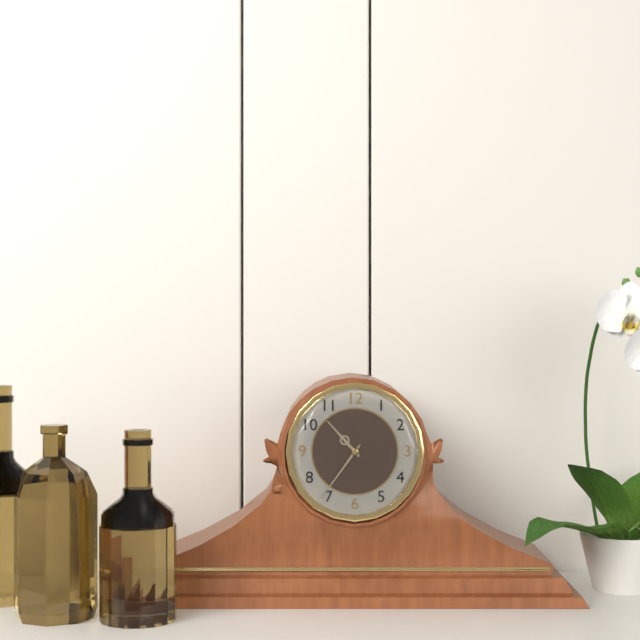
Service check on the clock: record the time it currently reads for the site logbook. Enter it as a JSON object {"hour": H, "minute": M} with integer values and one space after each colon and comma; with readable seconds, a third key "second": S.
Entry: {"hour": 10, "minute": 36}
